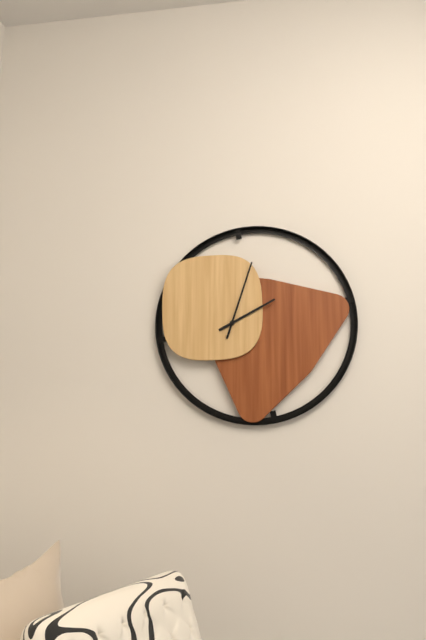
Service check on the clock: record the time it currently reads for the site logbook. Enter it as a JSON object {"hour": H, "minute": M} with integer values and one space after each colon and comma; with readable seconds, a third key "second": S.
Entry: {"hour": 2, "minute": 3}
